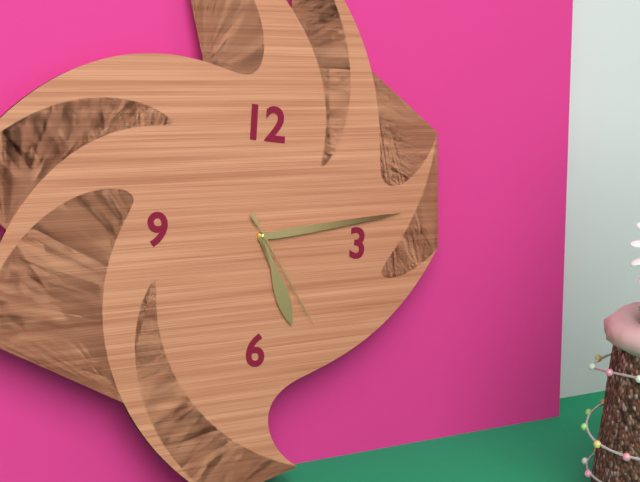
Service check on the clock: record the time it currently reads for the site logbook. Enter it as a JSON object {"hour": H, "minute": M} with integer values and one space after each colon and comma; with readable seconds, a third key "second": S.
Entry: {"hour": 5, "minute": 13, "second": 24}
